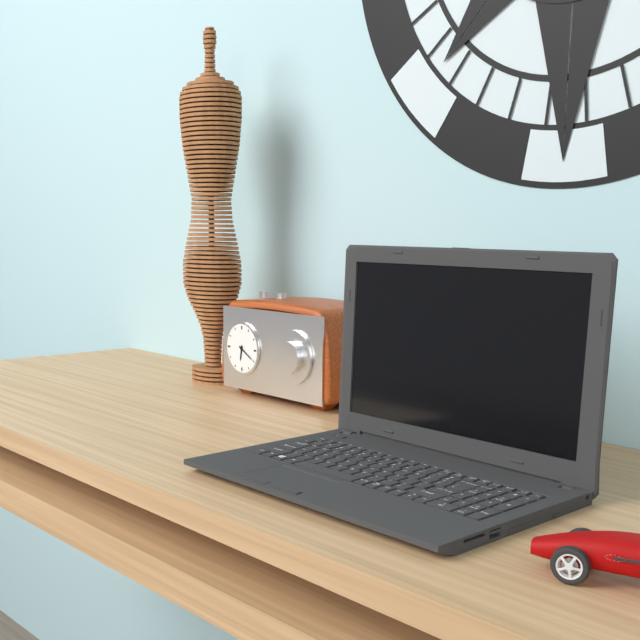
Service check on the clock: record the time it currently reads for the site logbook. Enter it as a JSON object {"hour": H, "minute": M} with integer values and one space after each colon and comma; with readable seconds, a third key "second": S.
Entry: {"hour": 6, "minute": 20}
